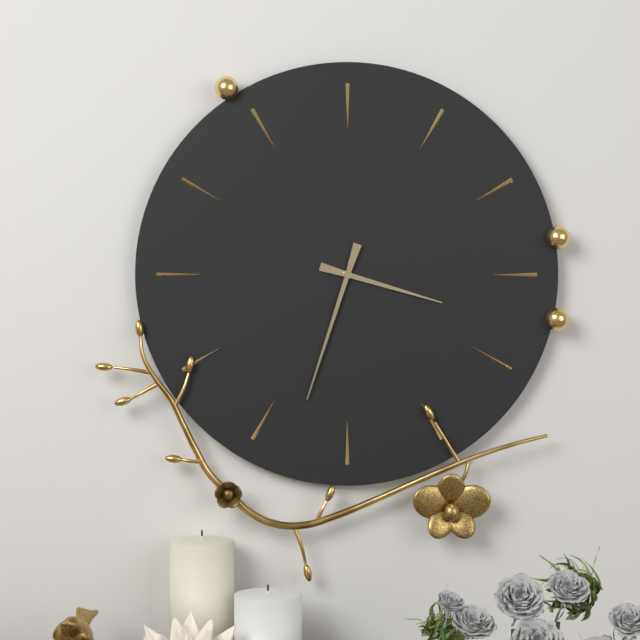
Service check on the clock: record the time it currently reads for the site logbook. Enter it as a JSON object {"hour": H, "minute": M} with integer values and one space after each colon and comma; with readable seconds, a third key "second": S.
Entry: {"hour": 3, "minute": 33}
